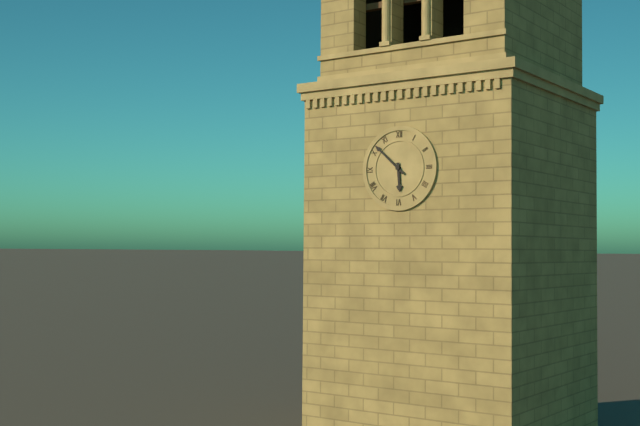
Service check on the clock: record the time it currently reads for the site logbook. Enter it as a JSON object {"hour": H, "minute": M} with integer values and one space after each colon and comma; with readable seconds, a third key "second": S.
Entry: {"hour": 5, "minute": 52}
